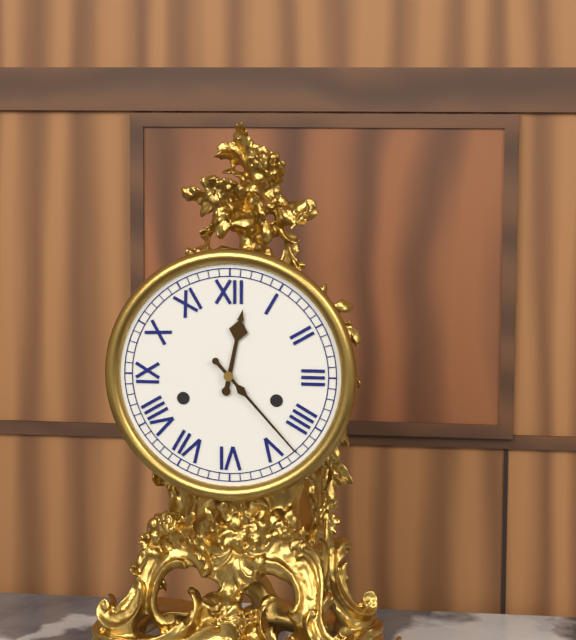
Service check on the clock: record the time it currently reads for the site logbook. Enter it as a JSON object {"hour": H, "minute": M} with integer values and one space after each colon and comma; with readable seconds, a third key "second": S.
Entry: {"hour": 12, "minute": 23}
